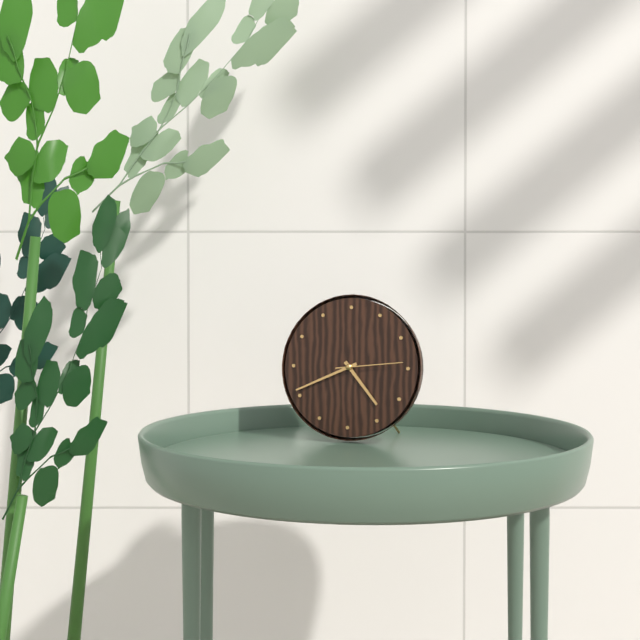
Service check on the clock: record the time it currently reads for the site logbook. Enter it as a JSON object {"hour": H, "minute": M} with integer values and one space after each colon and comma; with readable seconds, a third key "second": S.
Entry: {"hour": 4, "minute": 41, "second": 14}
